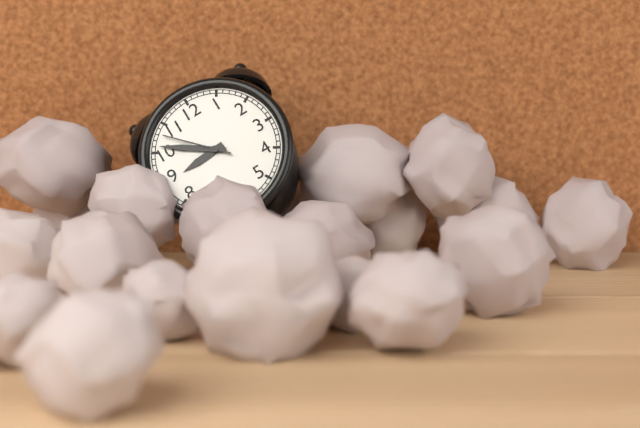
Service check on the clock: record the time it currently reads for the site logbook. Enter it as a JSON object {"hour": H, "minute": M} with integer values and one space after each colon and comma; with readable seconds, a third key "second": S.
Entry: {"hour": 8, "minute": 51, "second": 53}
